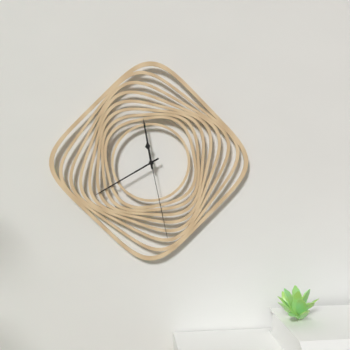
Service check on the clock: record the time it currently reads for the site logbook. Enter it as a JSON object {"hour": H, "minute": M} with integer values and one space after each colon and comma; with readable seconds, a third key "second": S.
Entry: {"hour": 11, "minute": 40, "second": 28}
